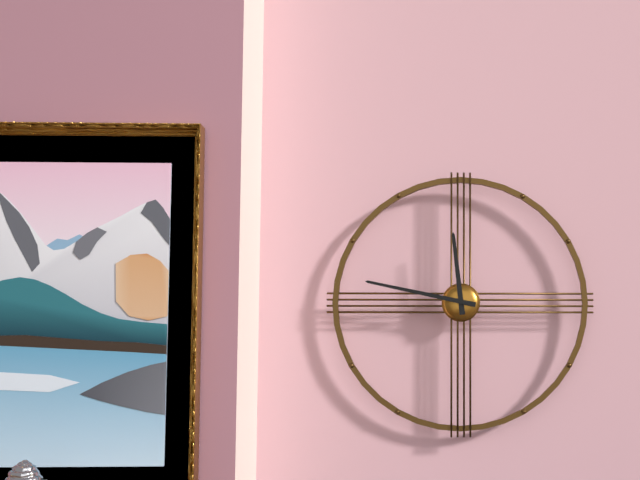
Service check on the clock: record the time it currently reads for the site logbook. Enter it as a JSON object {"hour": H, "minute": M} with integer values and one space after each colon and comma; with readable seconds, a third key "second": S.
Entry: {"hour": 11, "minute": 47}
